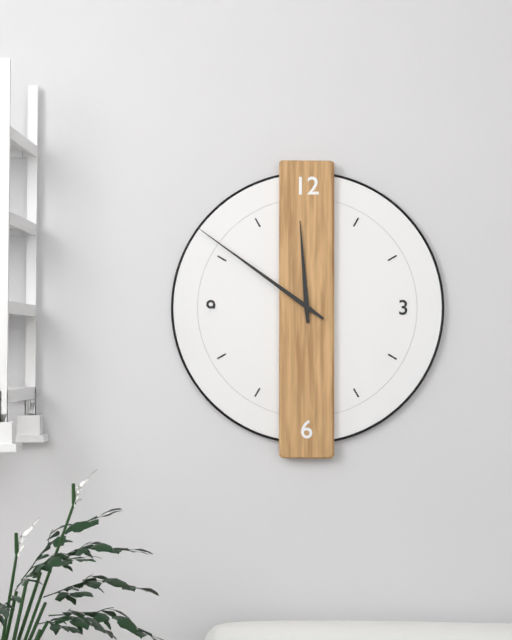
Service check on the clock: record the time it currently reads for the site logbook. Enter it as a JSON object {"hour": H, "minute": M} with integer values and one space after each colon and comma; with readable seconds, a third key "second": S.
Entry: {"hour": 11, "minute": 51}
